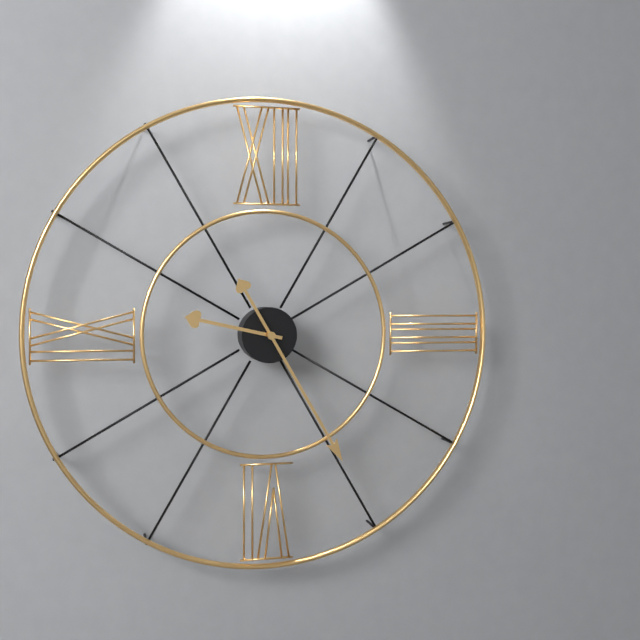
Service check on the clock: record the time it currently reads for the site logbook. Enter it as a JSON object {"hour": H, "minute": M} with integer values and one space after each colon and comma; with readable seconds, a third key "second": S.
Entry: {"hour": 9, "minute": 25}
